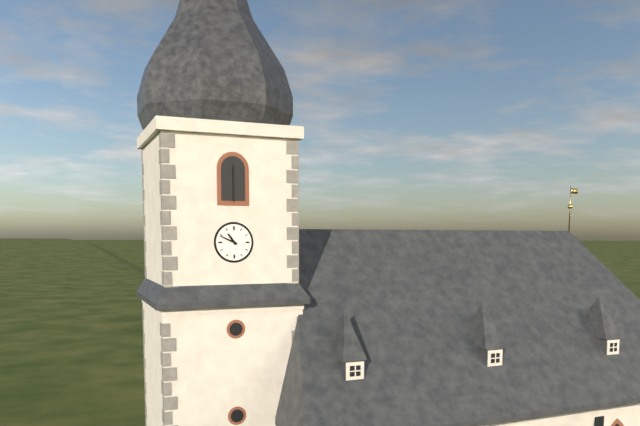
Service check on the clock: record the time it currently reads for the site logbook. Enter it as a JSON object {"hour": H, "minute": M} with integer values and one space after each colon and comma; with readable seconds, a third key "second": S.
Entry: {"hour": 10, "minute": 49}
